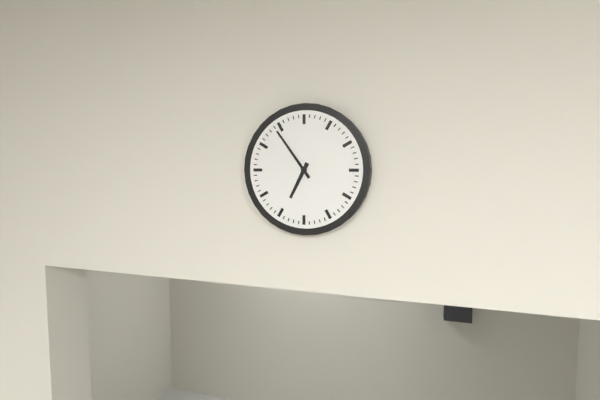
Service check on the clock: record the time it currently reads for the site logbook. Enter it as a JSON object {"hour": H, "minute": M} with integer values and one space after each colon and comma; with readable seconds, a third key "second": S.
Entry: {"hour": 6, "minute": 54}
